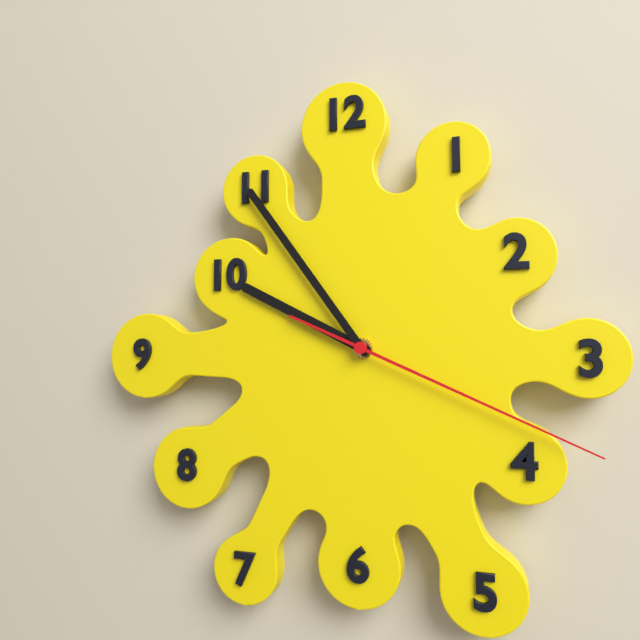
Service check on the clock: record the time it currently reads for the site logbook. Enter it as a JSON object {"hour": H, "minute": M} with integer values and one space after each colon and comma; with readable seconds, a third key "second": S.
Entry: {"hour": 9, "minute": 54, "second": 19}
